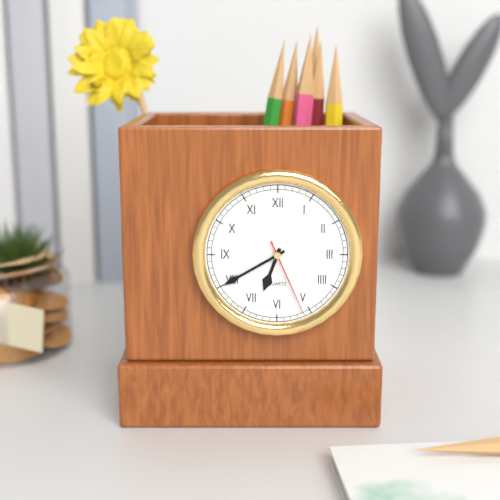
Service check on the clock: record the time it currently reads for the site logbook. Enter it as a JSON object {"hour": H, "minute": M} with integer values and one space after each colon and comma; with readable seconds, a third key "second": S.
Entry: {"hour": 6, "minute": 40, "second": 26}
